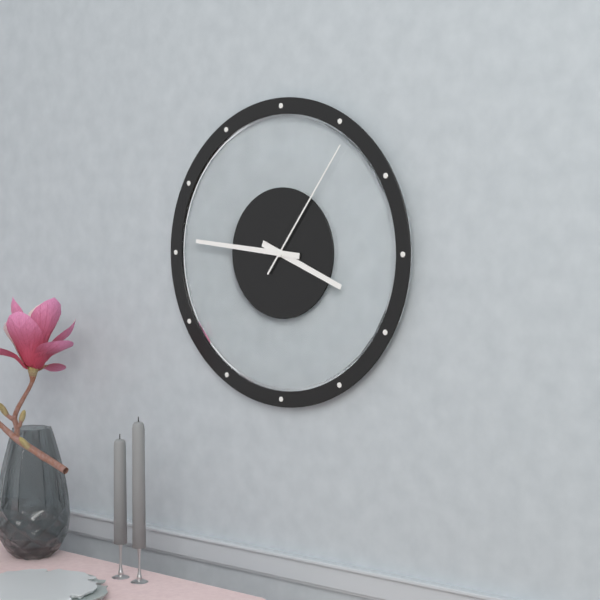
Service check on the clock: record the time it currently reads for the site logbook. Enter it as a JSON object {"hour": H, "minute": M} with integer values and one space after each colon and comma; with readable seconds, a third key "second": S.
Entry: {"hour": 3, "minute": 46, "second": 6}
